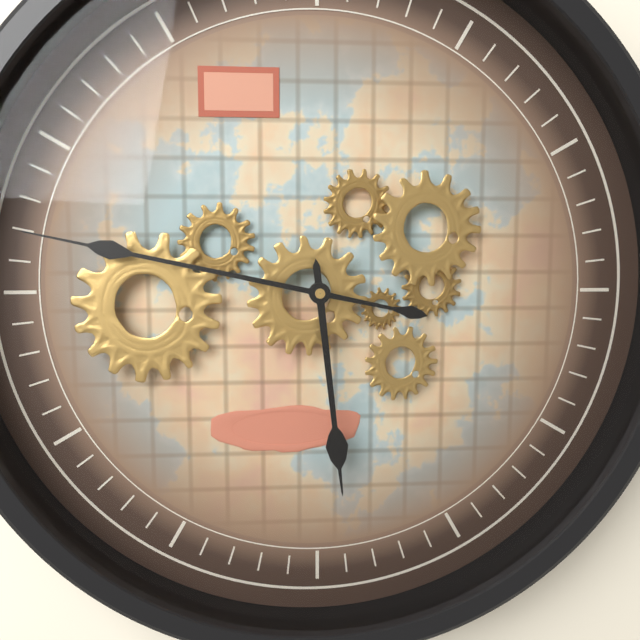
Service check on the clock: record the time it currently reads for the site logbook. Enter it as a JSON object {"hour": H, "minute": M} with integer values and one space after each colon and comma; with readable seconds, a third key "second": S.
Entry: {"hour": 5, "minute": 47}
